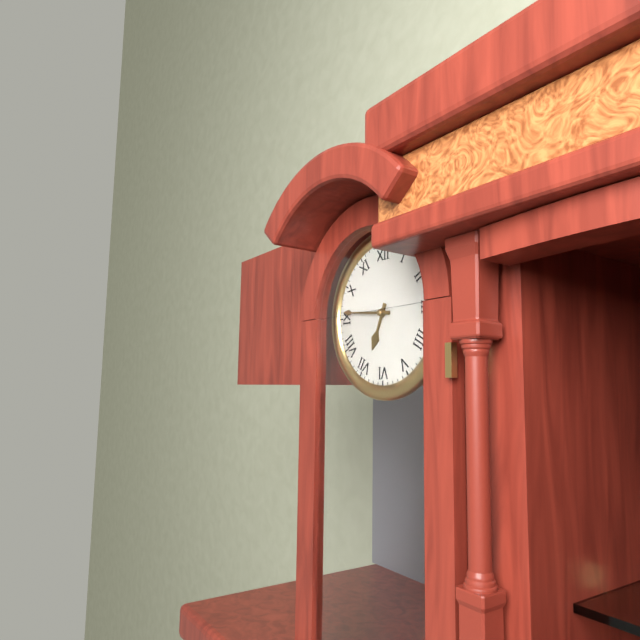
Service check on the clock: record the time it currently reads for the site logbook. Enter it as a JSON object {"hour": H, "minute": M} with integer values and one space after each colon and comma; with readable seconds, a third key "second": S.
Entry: {"hour": 6, "minute": 46}
